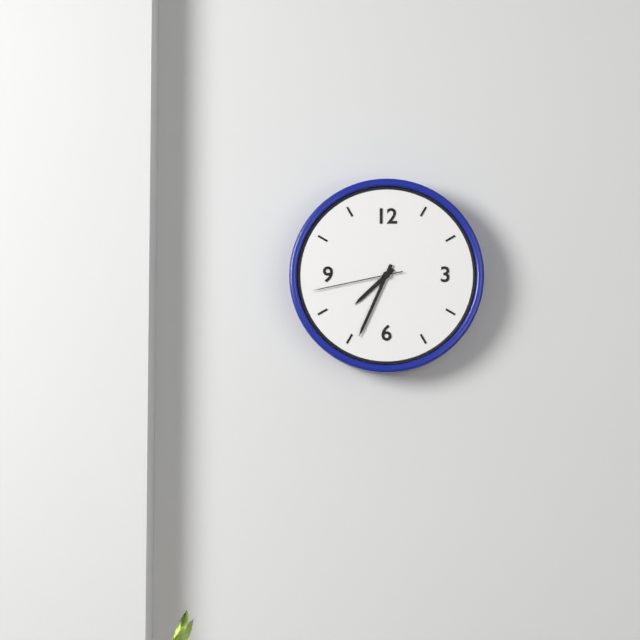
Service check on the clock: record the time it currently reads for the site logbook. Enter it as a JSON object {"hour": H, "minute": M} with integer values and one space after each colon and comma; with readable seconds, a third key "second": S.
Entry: {"hour": 7, "minute": 34, "second": 43}
